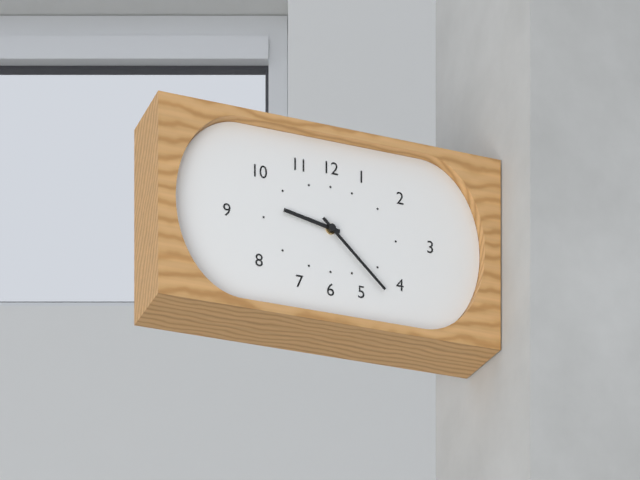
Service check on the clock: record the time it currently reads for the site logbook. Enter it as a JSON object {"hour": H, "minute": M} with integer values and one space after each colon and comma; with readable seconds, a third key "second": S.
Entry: {"hour": 9, "minute": 22}
